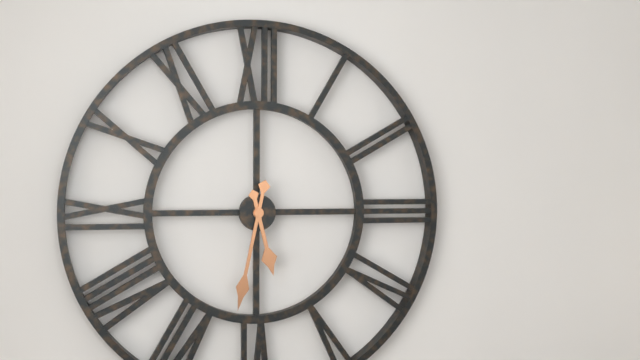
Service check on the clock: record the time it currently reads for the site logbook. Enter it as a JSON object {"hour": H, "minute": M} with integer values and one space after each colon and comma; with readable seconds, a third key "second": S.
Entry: {"hour": 5, "minute": 32}
